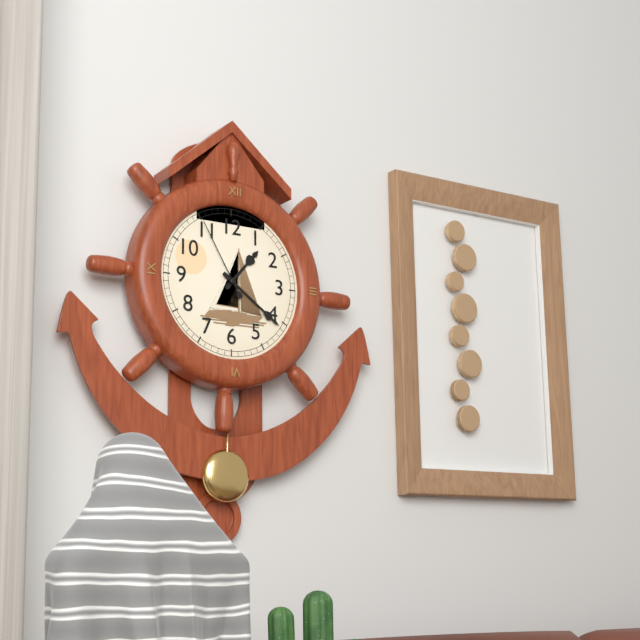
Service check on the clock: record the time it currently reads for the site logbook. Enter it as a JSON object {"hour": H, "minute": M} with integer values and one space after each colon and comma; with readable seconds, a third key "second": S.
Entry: {"hour": 1, "minute": 21, "second": 55}
